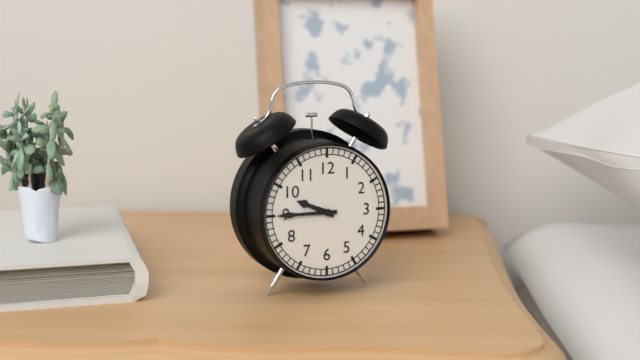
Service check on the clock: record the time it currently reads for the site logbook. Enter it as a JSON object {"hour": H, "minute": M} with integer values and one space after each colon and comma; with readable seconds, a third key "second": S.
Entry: {"hour": 9, "minute": 45}
